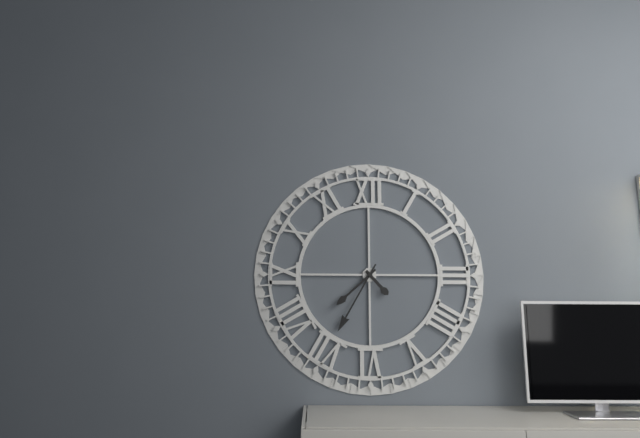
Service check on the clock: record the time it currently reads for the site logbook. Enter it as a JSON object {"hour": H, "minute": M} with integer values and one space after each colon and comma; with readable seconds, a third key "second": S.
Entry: {"hour": 4, "minute": 35, "second": 38}
